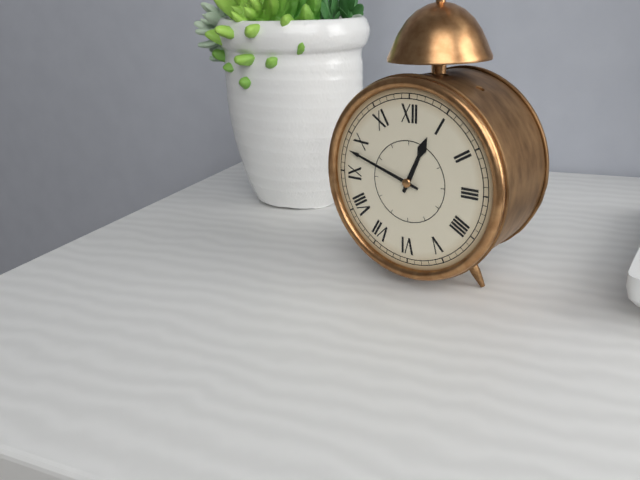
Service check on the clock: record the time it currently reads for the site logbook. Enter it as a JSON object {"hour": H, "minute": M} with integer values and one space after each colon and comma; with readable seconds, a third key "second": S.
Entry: {"hour": 12, "minute": 48}
